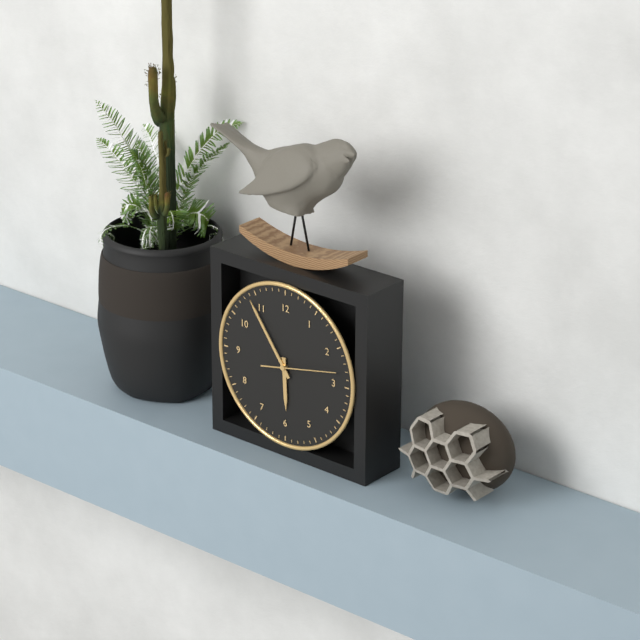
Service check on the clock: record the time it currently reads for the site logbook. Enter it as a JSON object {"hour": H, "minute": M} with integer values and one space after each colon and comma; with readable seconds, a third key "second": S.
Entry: {"hour": 5, "minute": 54, "second": 13}
